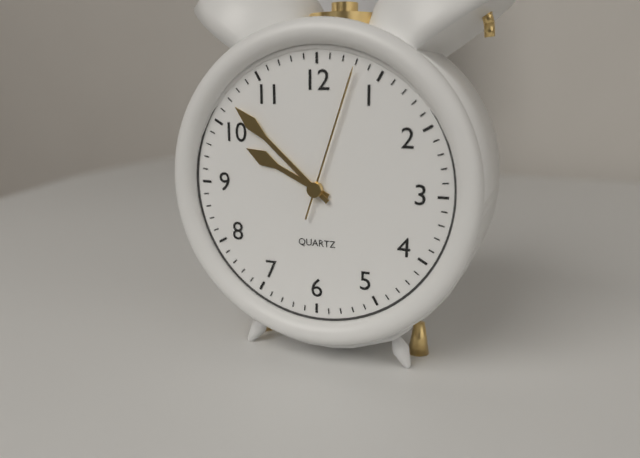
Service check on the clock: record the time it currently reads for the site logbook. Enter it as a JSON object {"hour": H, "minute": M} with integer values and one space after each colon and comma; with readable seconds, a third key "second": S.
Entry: {"hour": 9, "minute": 52, "second": 3}
